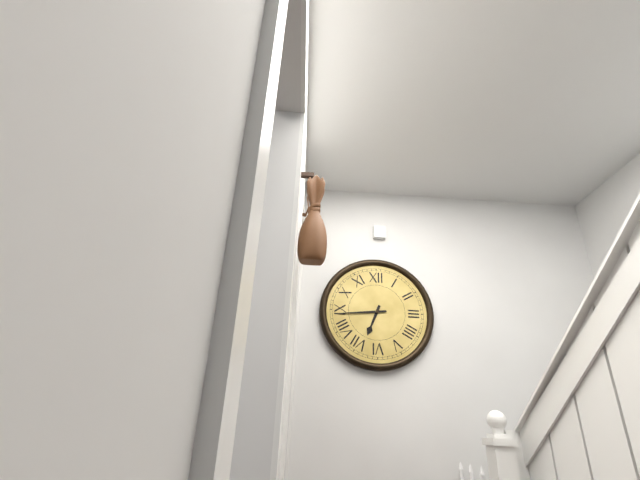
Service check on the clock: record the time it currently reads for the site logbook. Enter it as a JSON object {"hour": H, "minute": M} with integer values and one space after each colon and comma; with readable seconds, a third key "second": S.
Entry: {"hour": 6, "minute": 44}
